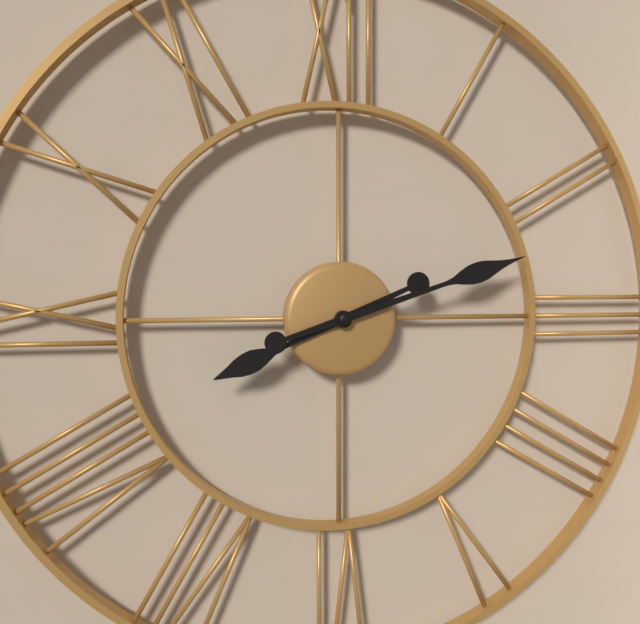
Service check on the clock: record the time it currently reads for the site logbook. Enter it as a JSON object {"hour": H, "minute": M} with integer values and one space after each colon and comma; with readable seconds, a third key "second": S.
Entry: {"hour": 8, "minute": 12}
